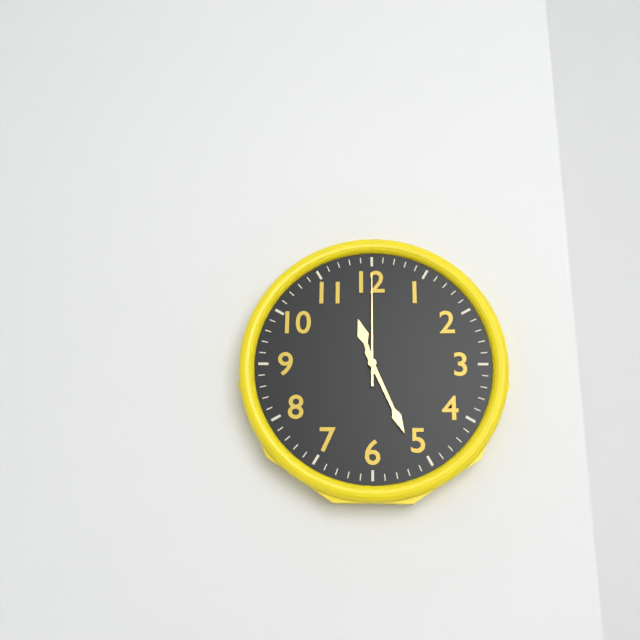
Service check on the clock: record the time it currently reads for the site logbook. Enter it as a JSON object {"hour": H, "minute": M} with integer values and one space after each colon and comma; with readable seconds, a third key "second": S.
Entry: {"hour": 11, "minute": 26, "second": 0}
